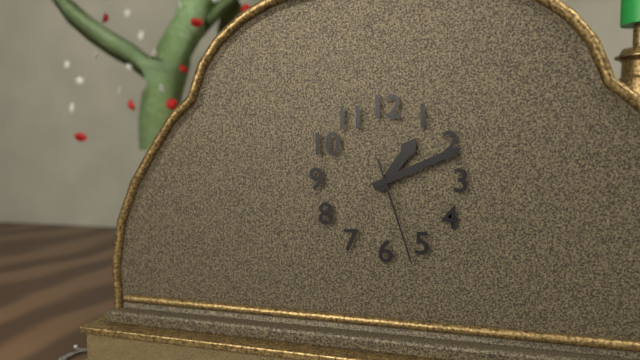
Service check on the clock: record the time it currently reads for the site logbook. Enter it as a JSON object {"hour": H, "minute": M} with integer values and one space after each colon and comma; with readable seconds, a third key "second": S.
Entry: {"hour": 1, "minute": 11, "second": 27}
